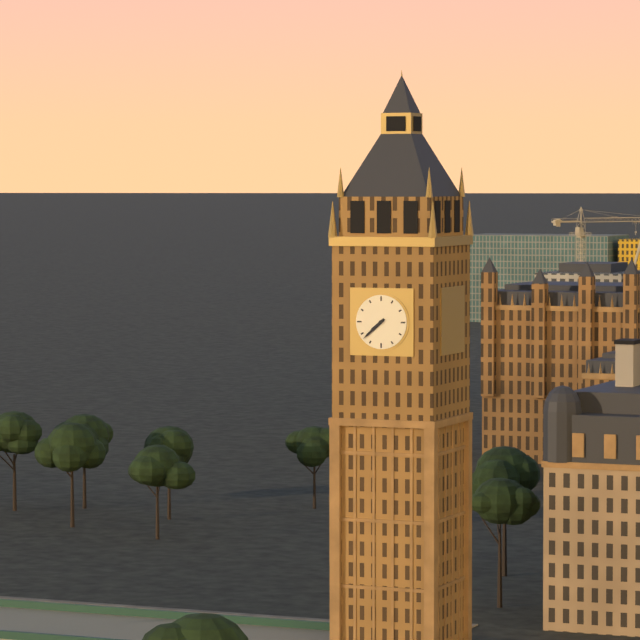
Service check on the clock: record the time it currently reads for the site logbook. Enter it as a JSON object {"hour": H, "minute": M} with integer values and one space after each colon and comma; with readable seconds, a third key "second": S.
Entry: {"hour": 7, "minute": 38}
